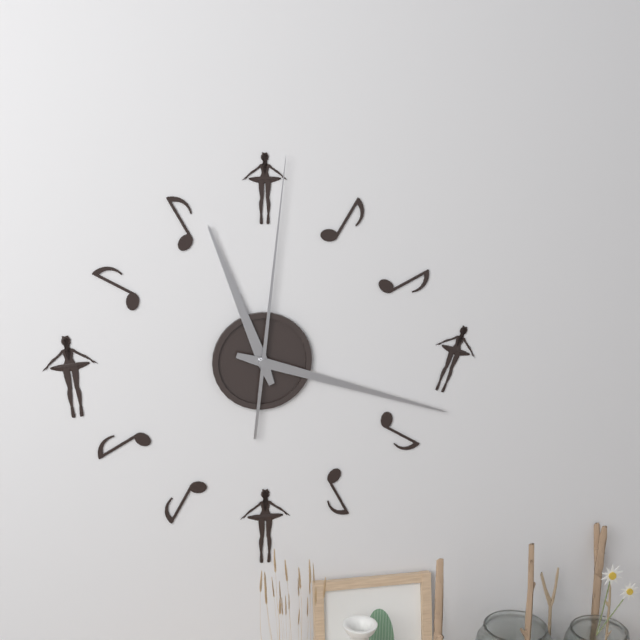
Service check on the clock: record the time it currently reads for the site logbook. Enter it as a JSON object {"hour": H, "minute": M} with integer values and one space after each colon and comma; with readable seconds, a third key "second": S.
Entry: {"hour": 11, "minute": 18, "second": 1}
